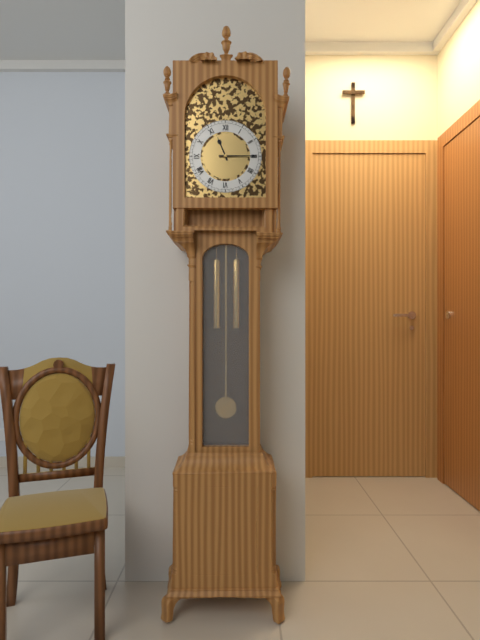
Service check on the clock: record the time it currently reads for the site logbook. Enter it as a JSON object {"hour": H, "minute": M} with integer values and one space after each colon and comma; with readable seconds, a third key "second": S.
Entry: {"hour": 11, "minute": 15}
